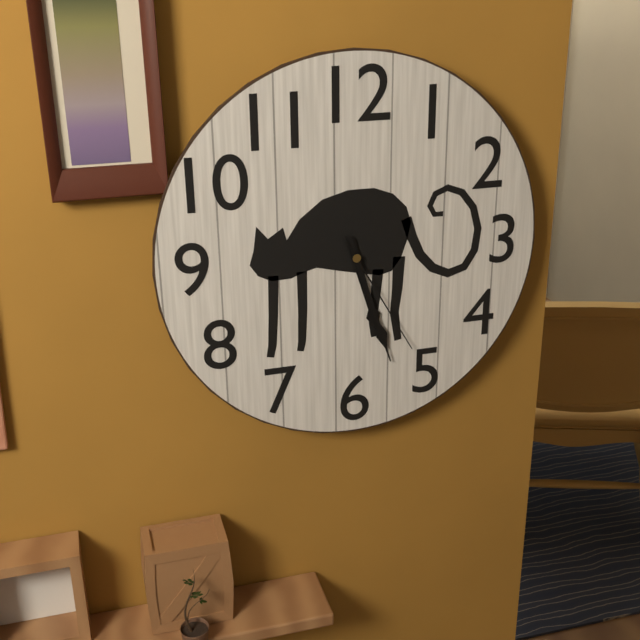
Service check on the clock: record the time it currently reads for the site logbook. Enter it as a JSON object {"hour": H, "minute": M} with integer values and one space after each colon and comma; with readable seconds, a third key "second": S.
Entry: {"hour": 5, "minute": 27, "second": 25}
